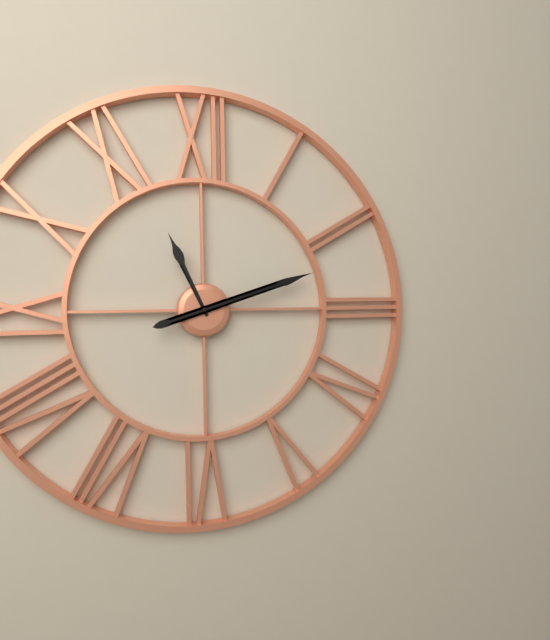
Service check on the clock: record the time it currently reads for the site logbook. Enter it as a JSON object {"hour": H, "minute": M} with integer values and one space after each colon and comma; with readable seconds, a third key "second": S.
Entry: {"hour": 11, "minute": 12}
